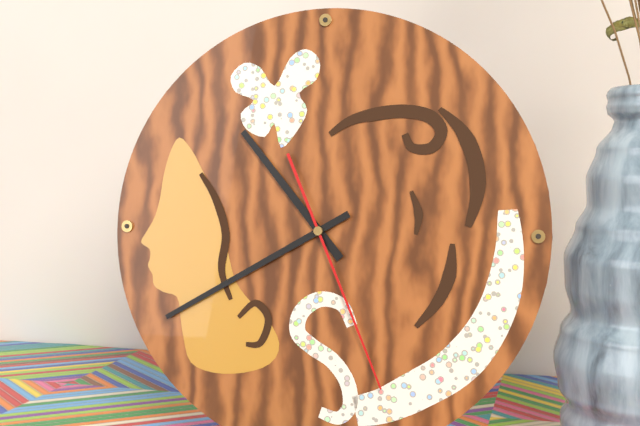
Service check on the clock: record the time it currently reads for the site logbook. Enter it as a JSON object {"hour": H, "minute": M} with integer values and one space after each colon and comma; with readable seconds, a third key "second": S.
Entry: {"hour": 10, "minute": 40, "second": 26}
